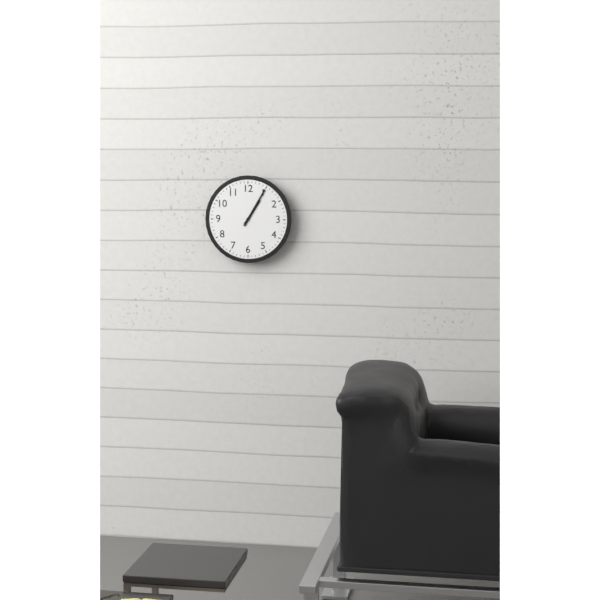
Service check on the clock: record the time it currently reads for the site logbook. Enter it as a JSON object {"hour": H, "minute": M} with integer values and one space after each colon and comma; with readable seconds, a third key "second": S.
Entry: {"hour": 1, "minute": 5}
